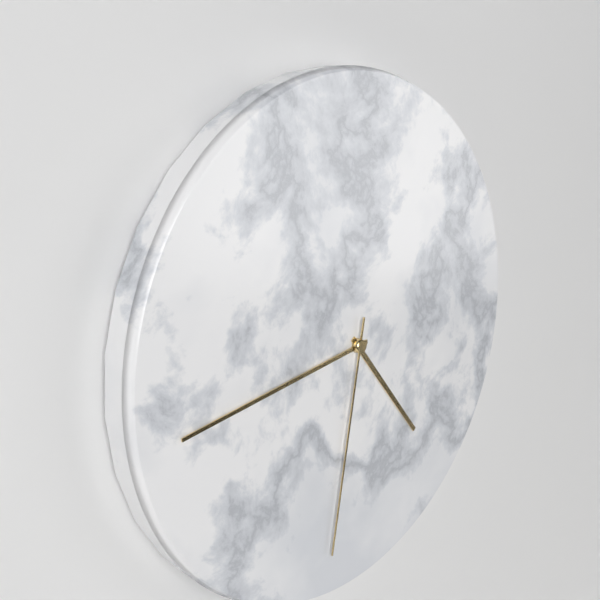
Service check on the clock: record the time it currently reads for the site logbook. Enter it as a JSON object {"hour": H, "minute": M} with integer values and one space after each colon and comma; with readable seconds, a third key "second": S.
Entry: {"hour": 4, "minute": 44, "second": 32}
